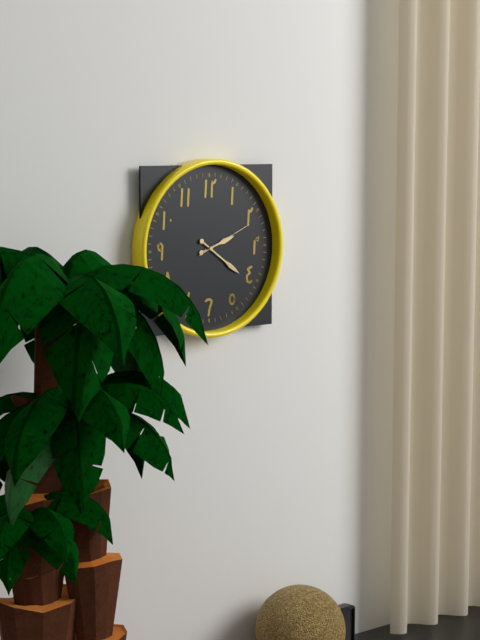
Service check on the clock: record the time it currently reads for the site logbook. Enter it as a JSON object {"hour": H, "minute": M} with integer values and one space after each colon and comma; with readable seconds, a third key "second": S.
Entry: {"hour": 2, "minute": 21, "second": 11}
